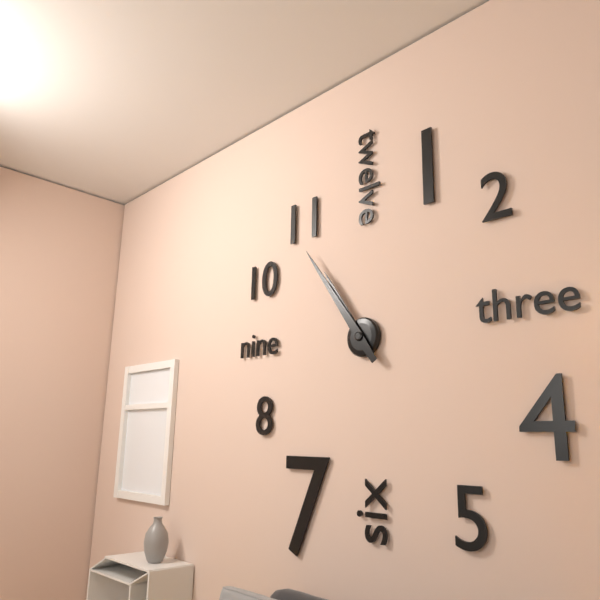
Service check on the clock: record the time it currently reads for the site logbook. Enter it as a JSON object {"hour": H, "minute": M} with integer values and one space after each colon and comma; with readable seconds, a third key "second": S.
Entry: {"hour": 10, "minute": 54}
